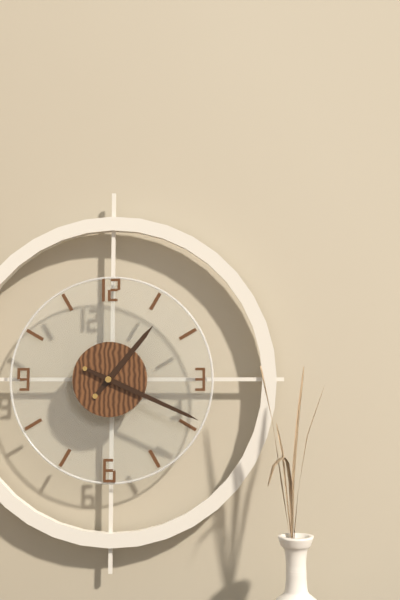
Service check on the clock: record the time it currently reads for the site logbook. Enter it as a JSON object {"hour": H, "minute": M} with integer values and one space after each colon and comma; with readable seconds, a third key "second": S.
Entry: {"hour": 1, "minute": 19}
